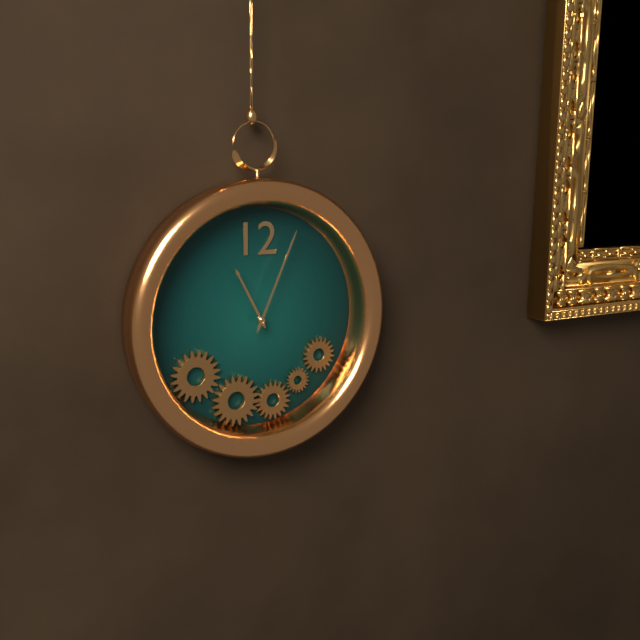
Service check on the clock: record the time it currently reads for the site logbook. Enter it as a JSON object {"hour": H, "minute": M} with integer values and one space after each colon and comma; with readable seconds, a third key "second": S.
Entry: {"hour": 11, "minute": 4}
